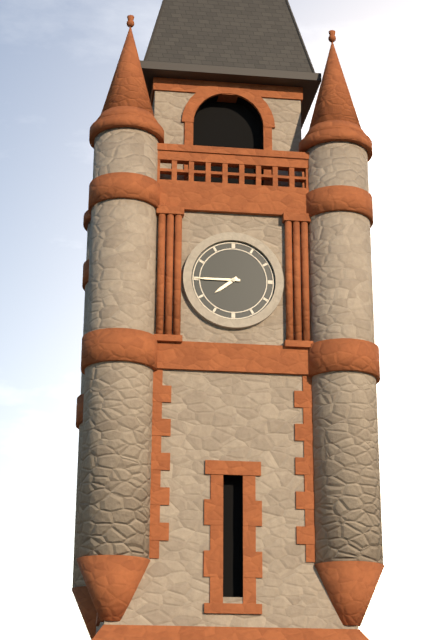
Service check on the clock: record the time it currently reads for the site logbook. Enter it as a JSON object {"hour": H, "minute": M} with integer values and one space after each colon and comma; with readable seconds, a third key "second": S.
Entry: {"hour": 7, "minute": 45}
